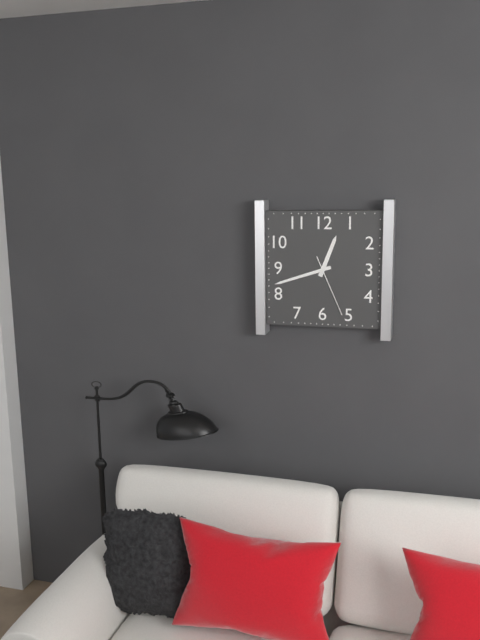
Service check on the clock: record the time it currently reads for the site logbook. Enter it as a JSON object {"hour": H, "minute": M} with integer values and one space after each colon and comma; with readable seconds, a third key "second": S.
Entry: {"hour": 12, "minute": 42, "second": 26}
